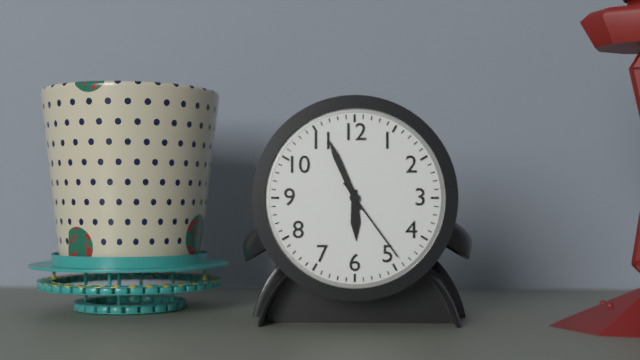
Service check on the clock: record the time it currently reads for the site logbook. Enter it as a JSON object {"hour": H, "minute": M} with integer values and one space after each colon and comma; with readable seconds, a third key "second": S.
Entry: {"hour": 5, "minute": 56, "second": 24}
